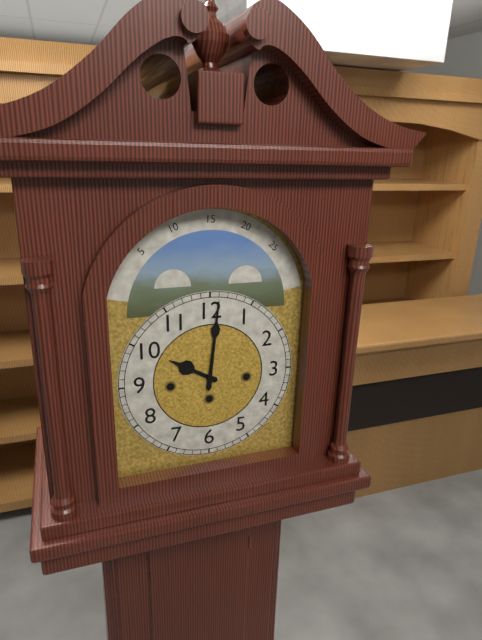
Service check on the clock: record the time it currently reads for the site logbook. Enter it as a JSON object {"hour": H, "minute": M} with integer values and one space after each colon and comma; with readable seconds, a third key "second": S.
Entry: {"hour": 10, "minute": 1}
